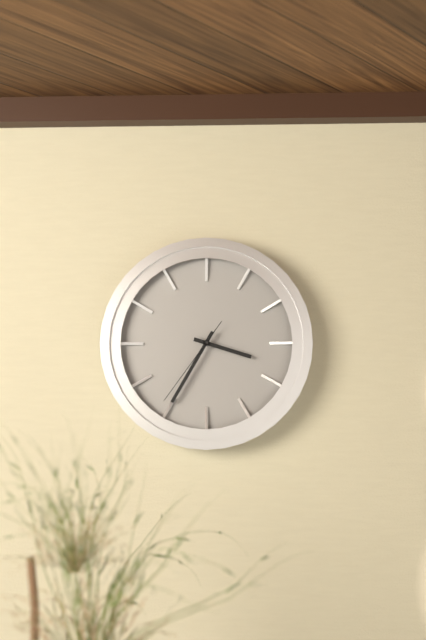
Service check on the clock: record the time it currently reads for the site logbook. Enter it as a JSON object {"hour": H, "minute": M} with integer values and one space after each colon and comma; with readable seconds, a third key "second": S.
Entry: {"hour": 3, "minute": 35, "second": 36}
